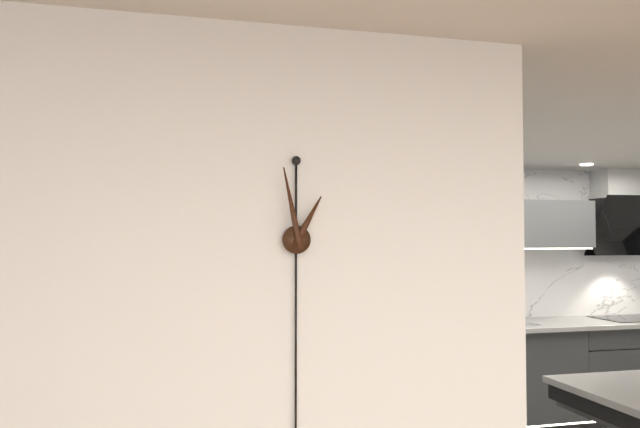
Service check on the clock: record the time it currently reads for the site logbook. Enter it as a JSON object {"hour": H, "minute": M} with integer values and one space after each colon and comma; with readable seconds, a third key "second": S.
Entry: {"hour": 12, "minute": 58}
